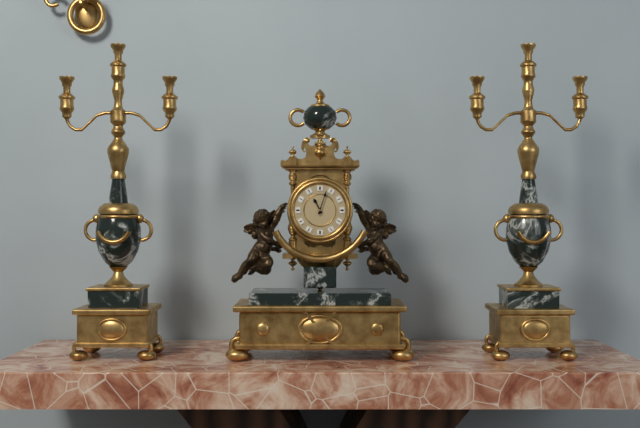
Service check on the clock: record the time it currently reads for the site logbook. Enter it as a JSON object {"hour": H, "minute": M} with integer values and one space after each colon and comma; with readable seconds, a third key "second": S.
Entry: {"hour": 11, "minute": 3}
